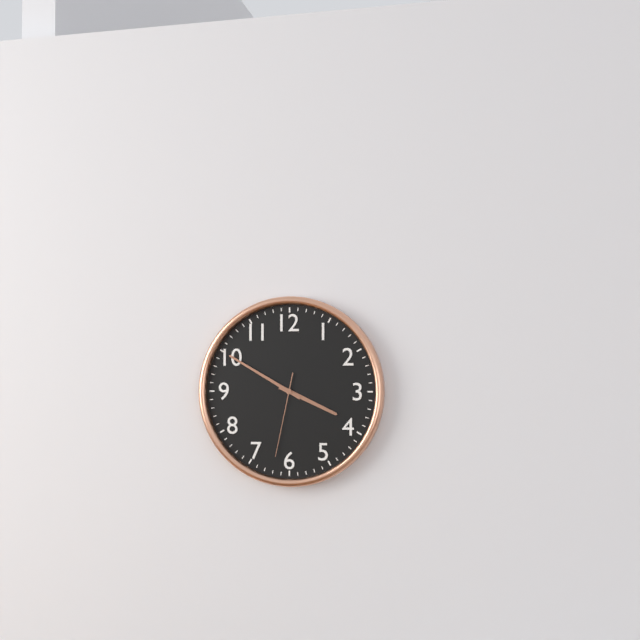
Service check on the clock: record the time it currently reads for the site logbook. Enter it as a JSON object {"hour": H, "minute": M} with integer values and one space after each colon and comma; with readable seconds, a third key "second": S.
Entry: {"hour": 3, "minute": 50, "second": 32}
